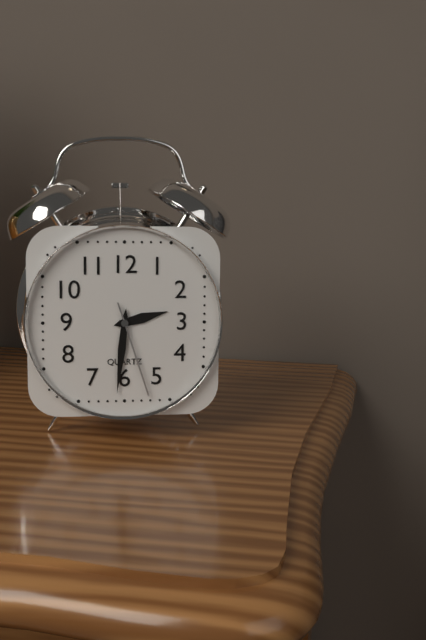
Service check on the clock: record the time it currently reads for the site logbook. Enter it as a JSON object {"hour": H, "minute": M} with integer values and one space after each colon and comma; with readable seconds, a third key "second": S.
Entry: {"hour": 2, "minute": 31, "second": 27}
